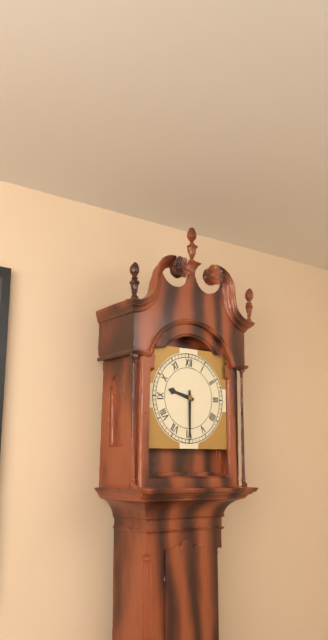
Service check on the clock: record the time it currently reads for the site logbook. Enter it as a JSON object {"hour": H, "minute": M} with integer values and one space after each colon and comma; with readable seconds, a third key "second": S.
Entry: {"hour": 9, "minute": 30}
